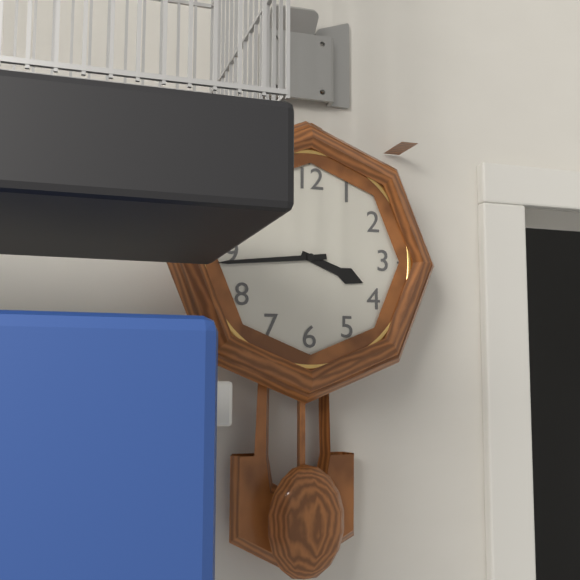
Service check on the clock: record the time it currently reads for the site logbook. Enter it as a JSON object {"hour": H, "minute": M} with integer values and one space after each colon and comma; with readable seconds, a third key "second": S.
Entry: {"hour": 3, "minute": 44}
